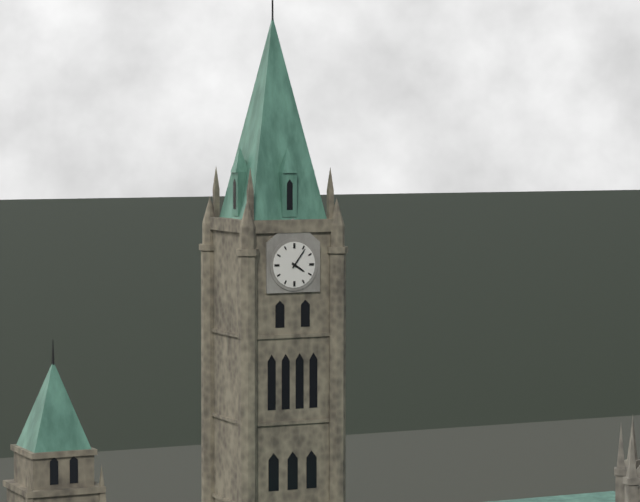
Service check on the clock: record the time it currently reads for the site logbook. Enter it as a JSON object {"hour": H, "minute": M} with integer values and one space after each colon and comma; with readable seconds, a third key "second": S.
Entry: {"hour": 4, "minute": 6}
